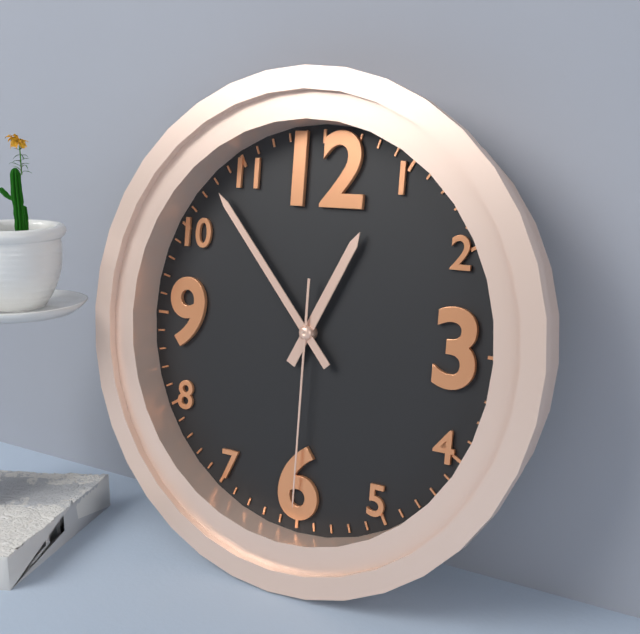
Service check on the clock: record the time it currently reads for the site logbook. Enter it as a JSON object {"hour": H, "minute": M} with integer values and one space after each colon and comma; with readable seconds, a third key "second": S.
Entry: {"hour": 12, "minute": 53, "second": 30}
